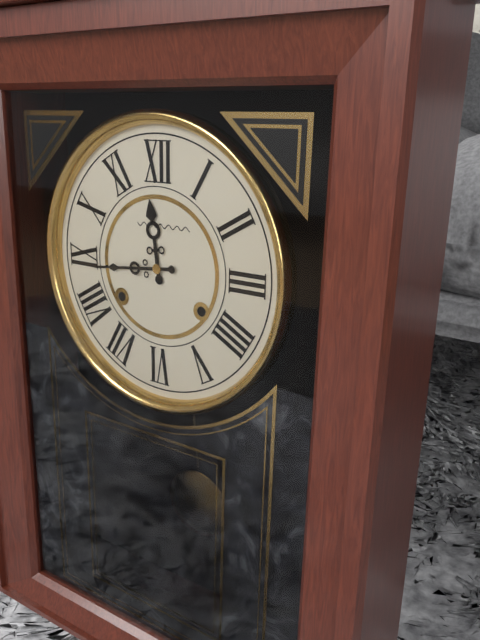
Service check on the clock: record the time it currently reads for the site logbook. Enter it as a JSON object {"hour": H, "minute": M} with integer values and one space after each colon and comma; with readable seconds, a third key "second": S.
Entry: {"hour": 11, "minute": 44}
